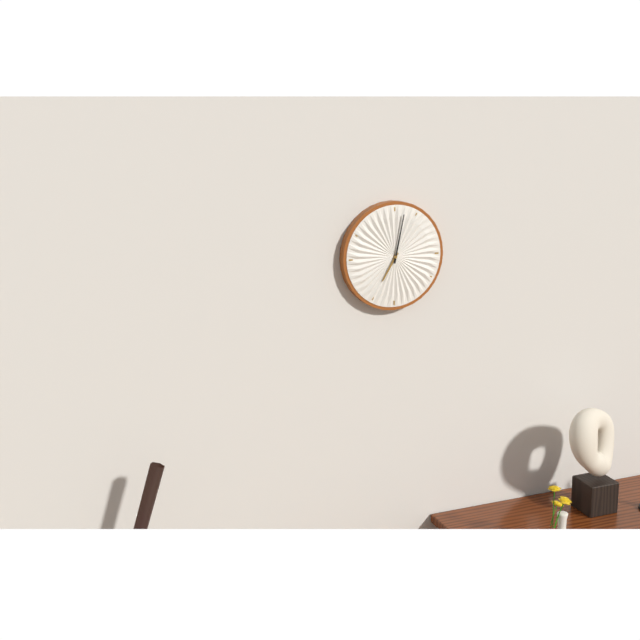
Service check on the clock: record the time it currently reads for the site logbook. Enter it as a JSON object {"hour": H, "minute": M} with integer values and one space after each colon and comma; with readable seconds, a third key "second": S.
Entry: {"hour": 7, "minute": 2}
